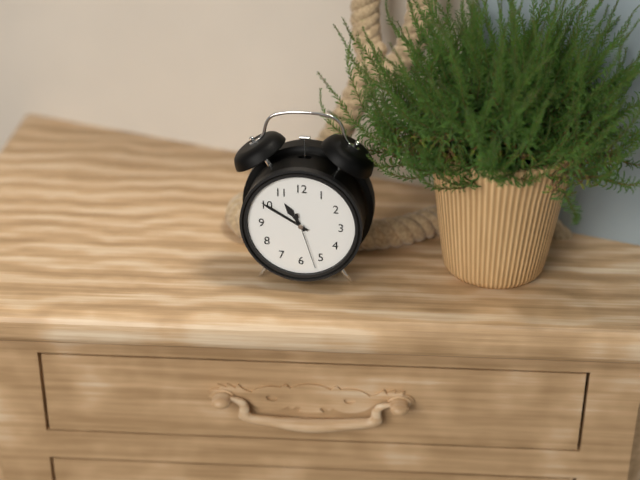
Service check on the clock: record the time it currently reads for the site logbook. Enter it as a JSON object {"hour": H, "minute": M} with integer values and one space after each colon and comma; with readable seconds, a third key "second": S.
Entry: {"hour": 10, "minute": 50, "second": 27}
